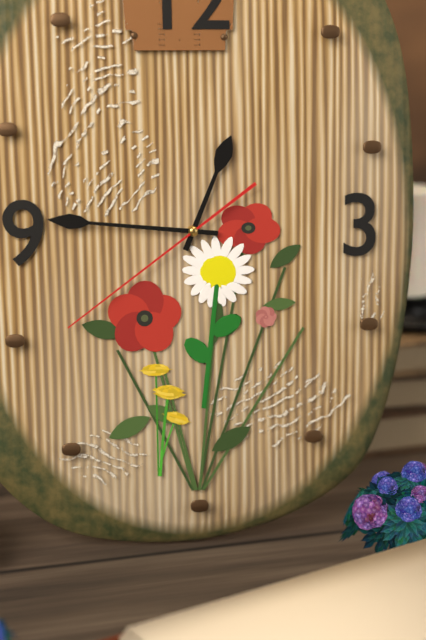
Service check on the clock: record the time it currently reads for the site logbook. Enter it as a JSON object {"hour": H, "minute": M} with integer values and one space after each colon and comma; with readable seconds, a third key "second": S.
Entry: {"hour": 12, "minute": 46, "second": 39}
